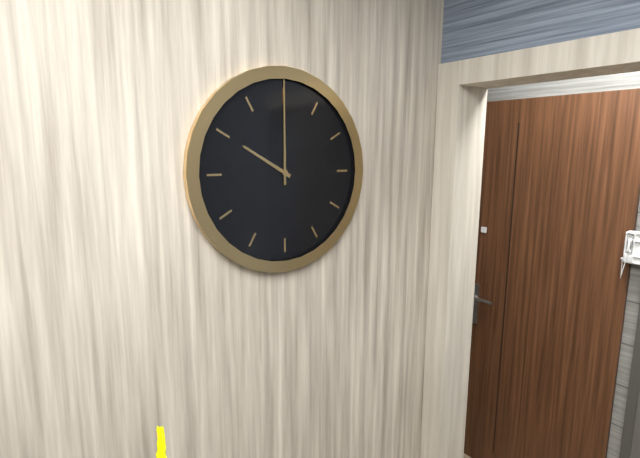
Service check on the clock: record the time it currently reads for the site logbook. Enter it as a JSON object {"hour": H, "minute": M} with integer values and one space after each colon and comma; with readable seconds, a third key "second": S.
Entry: {"hour": 10, "minute": 0}
